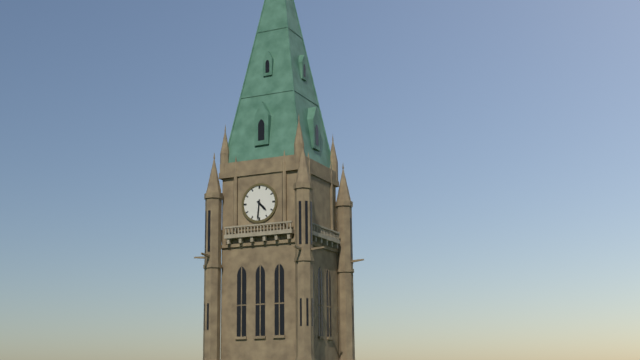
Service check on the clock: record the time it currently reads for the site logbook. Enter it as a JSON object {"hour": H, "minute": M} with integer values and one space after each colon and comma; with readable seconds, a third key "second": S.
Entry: {"hour": 4, "minute": 31}
